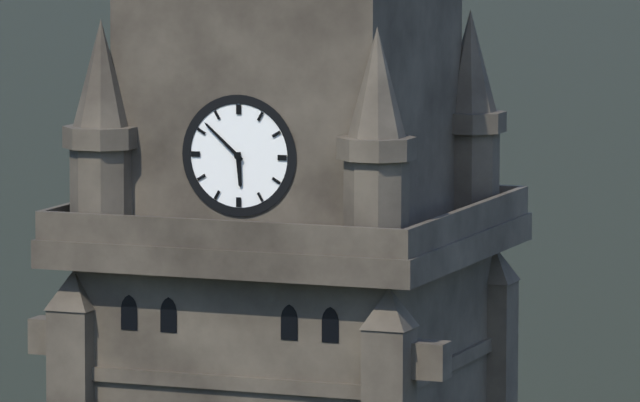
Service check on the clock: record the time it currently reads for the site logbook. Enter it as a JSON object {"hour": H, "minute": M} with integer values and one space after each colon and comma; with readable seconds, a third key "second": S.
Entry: {"hour": 5, "minute": 52}
